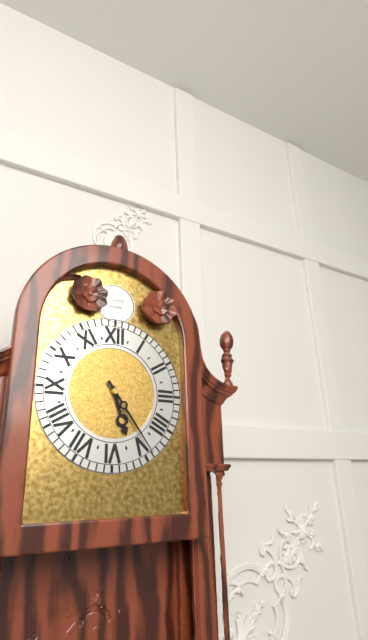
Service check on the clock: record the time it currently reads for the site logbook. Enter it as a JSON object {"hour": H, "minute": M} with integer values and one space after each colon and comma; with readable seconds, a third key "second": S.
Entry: {"hour": 5, "minute": 24}
